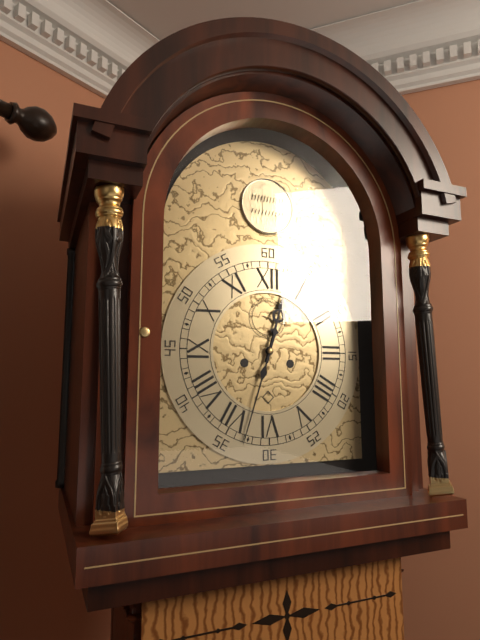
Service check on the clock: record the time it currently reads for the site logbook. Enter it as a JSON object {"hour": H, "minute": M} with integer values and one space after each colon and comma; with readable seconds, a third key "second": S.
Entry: {"hour": 12, "minute": 33}
